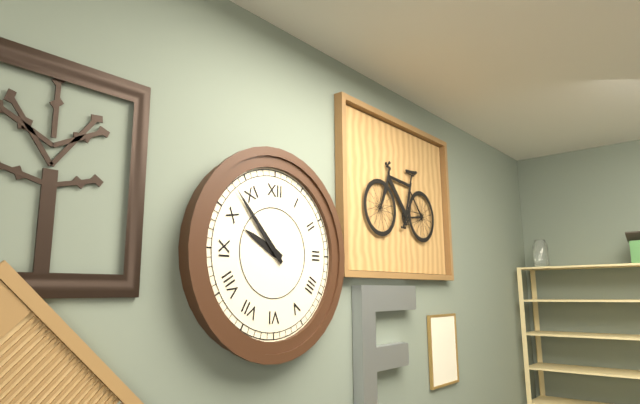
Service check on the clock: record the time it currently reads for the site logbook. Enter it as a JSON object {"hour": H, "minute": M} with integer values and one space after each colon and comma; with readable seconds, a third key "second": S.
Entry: {"hour": 9, "minute": 53}
